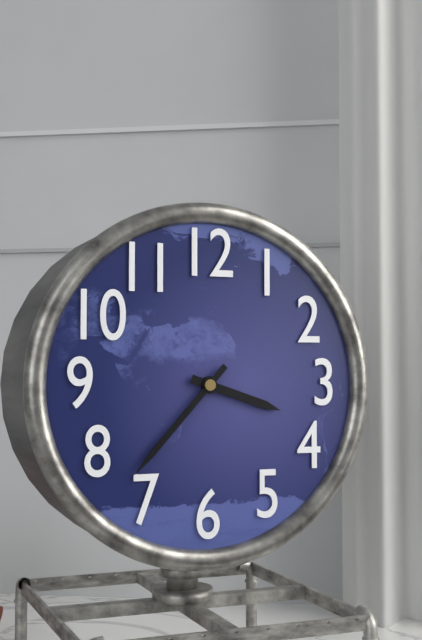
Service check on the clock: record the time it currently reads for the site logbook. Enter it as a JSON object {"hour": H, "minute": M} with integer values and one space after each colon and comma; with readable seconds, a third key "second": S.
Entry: {"hour": 3, "minute": 37}
